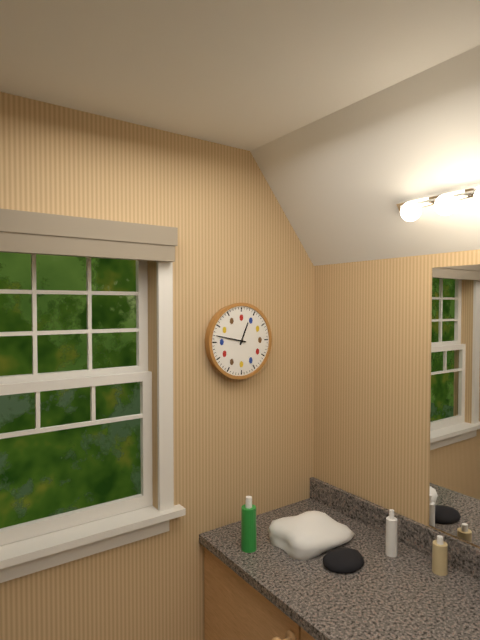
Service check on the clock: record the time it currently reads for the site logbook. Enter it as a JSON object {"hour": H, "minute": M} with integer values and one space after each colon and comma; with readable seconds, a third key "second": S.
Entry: {"hour": 12, "minute": 47}
